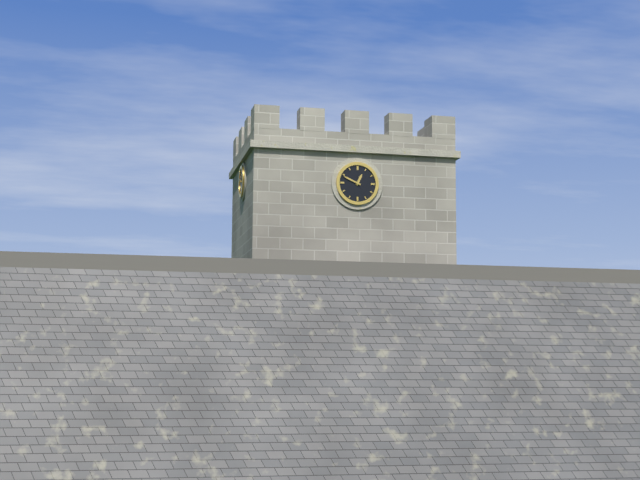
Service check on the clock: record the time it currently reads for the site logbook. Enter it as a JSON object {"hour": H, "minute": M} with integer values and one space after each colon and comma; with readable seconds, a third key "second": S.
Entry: {"hour": 12, "minute": 49}
